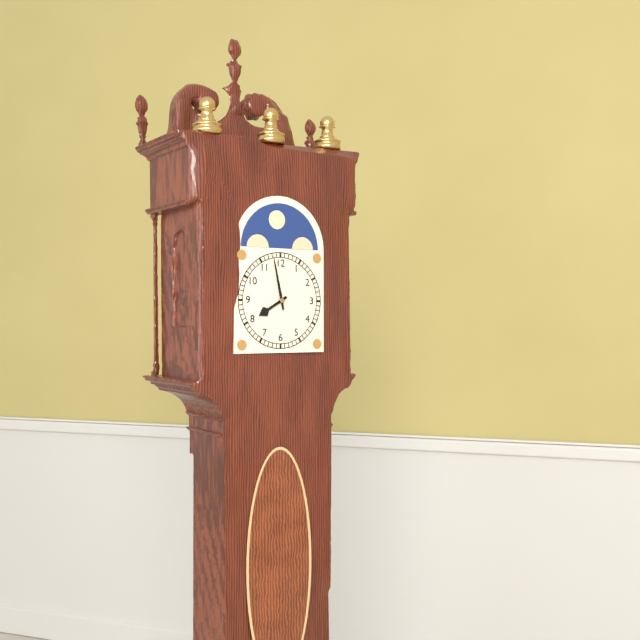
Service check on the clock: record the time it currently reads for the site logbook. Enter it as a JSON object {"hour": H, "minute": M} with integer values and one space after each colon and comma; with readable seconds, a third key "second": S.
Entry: {"hour": 7, "minute": 58}
